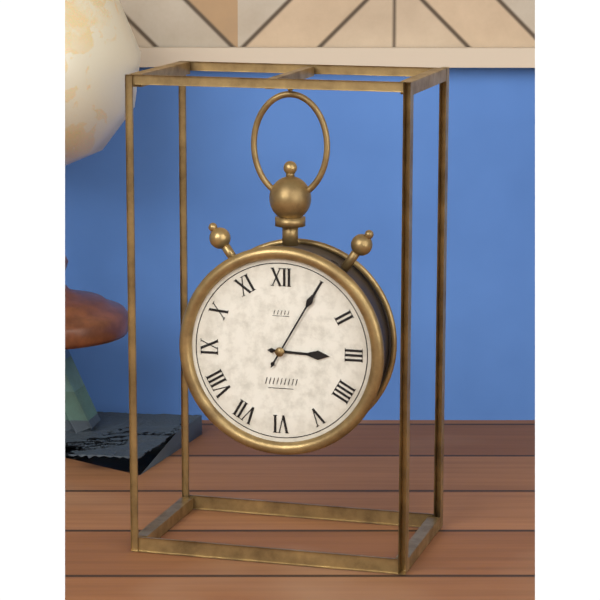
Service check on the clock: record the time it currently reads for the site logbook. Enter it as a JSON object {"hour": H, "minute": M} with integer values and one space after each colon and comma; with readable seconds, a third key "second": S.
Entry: {"hour": 3, "minute": 5}
